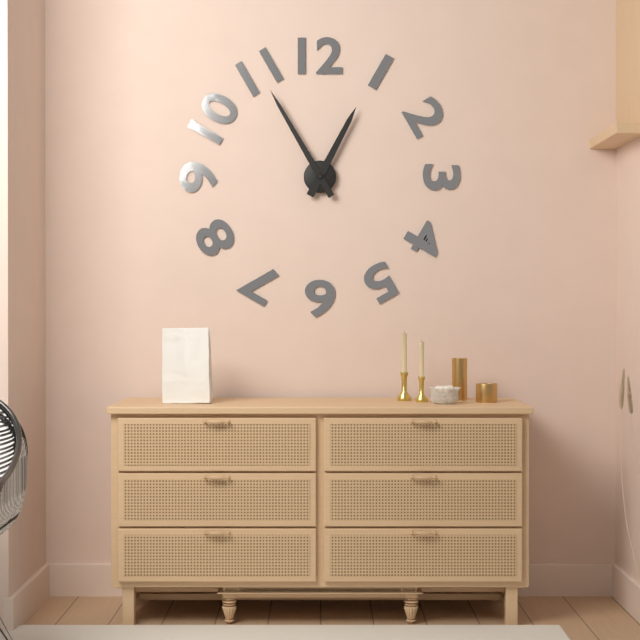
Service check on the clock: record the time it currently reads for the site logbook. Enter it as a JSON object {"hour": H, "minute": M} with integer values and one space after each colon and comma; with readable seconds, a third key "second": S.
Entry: {"hour": 12, "minute": 55}
